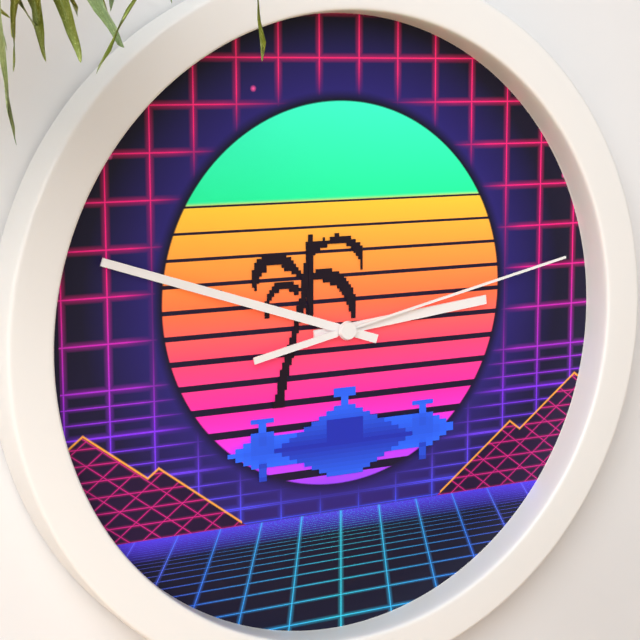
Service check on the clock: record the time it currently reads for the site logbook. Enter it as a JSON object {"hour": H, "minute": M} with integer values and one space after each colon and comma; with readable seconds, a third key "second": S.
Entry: {"hour": 2, "minute": 48, "second": 13}
